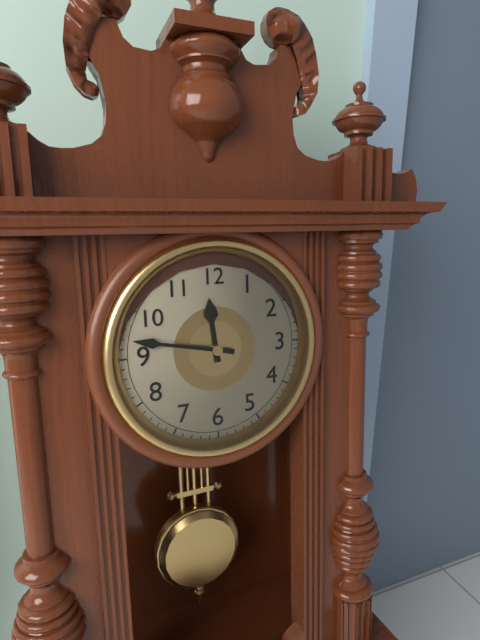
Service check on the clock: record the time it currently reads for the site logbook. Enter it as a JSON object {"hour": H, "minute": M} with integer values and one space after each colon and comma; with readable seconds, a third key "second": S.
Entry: {"hour": 11, "minute": 47}
